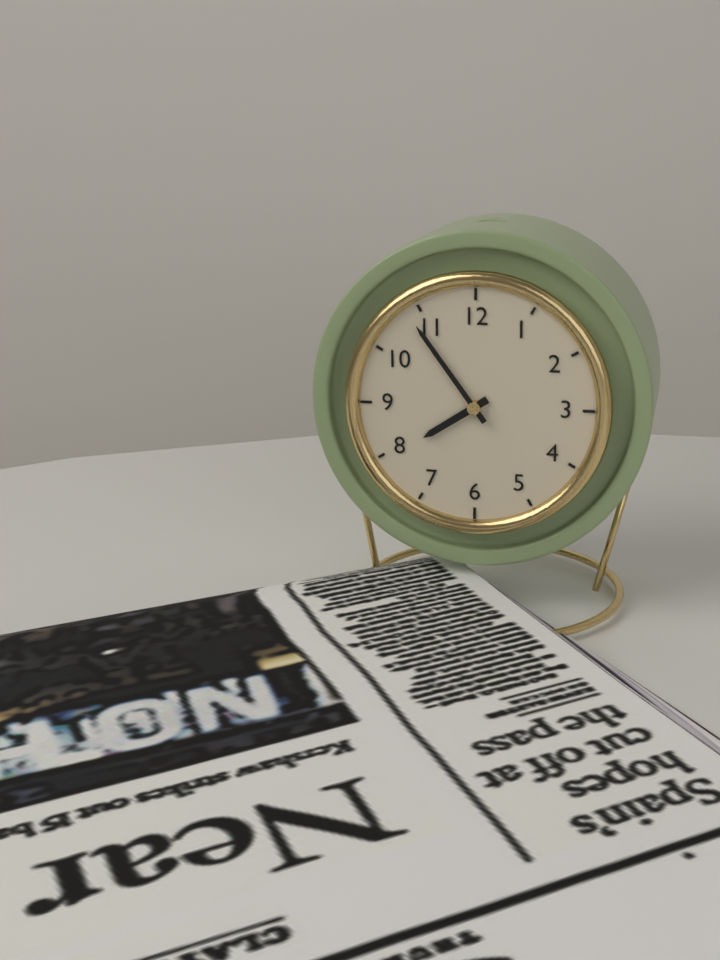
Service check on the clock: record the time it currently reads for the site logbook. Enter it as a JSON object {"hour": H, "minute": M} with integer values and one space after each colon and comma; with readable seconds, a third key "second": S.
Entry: {"hour": 7, "minute": 54}
